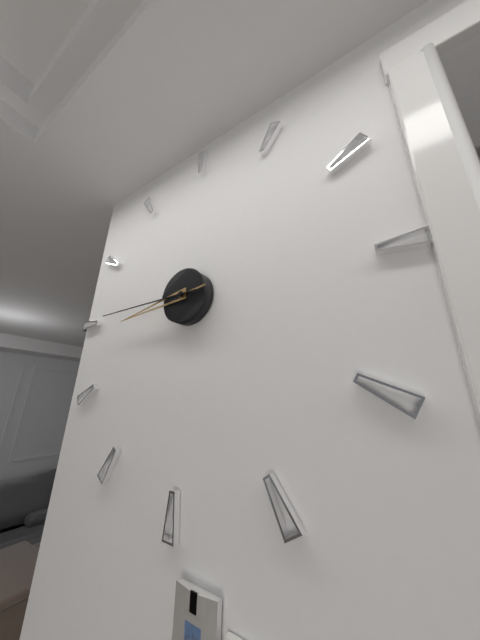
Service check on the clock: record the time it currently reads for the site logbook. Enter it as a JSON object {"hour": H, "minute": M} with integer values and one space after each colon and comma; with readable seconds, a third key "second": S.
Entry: {"hour": 8, "minute": 45}
